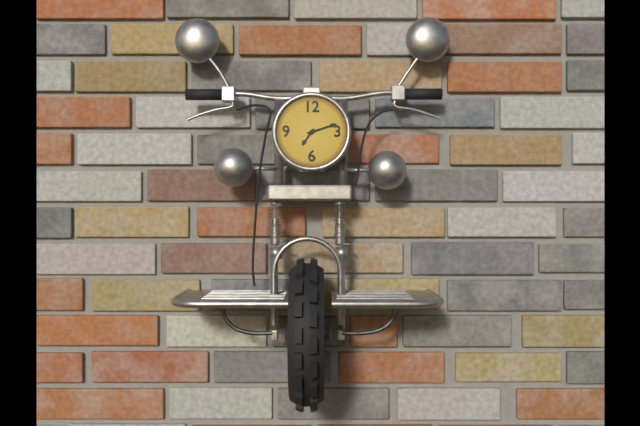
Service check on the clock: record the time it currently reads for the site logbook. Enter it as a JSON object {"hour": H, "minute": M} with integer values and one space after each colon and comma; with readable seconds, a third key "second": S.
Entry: {"hour": 7, "minute": 12}
